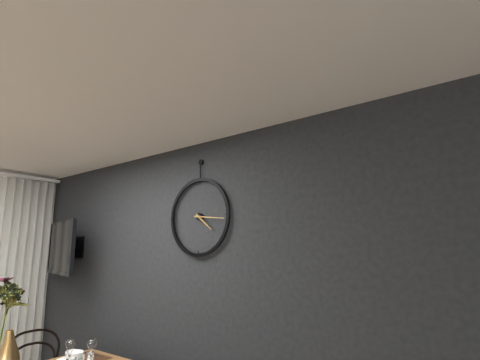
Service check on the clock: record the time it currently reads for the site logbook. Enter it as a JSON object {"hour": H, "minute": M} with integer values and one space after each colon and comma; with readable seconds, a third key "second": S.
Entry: {"hour": 4, "minute": 16}
